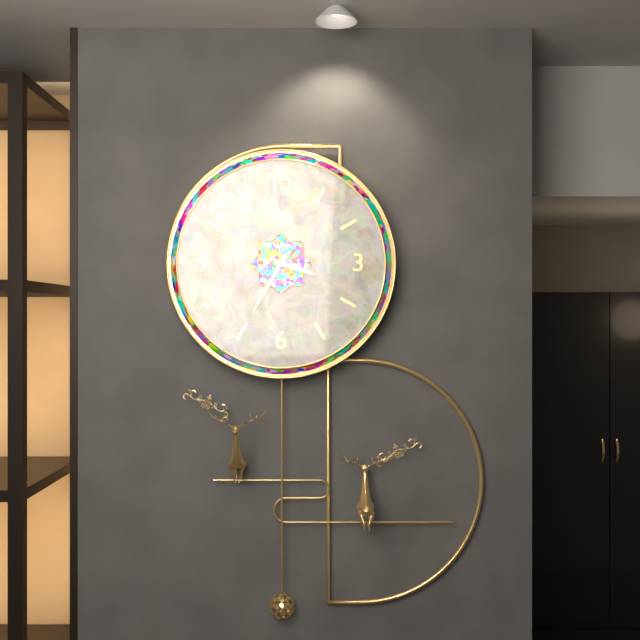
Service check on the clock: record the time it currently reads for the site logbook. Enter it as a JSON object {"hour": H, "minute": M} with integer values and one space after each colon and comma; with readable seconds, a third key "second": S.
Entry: {"hour": 3, "minute": 35}
